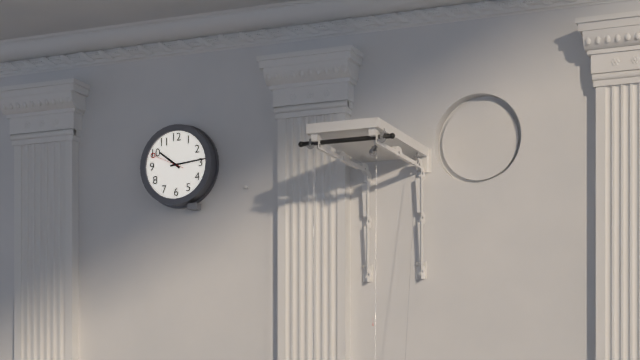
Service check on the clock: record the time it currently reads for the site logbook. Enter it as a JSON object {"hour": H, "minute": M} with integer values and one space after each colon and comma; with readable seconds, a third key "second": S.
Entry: {"hour": 10, "minute": 14}
